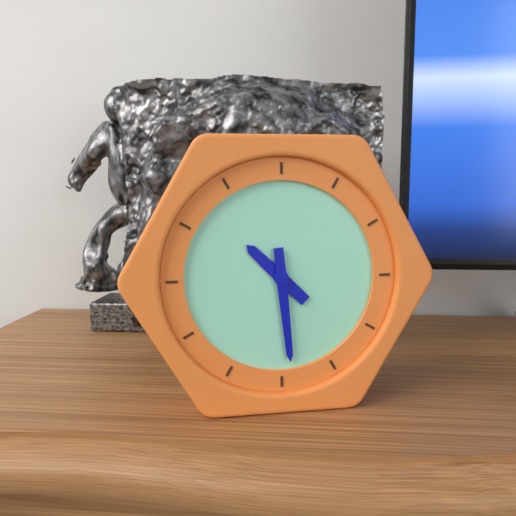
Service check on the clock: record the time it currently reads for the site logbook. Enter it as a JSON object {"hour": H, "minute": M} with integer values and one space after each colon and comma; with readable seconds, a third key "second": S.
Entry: {"hour": 10, "minute": 29}
